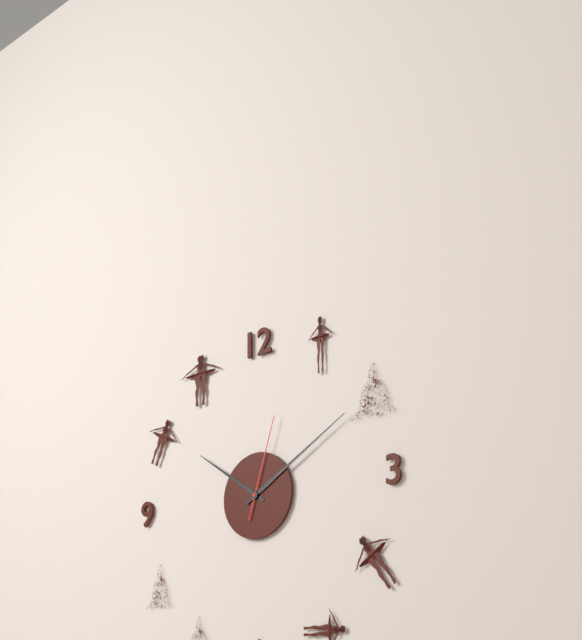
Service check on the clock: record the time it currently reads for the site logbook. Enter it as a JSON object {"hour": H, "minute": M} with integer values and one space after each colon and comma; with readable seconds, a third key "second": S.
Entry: {"hour": 10, "minute": 10, "second": 3}
